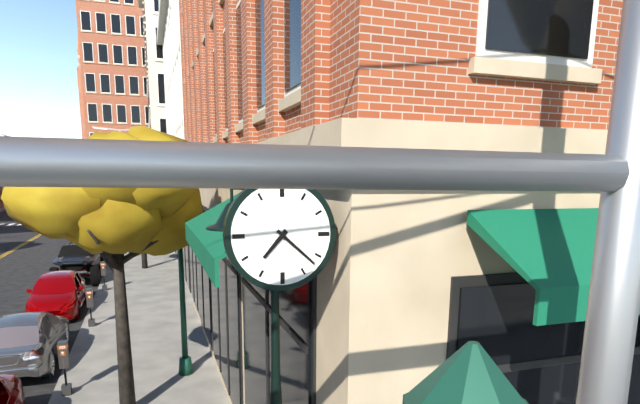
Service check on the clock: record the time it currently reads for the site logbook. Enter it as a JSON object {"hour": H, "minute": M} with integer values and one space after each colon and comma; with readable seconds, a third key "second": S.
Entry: {"hour": 7, "minute": 22}
